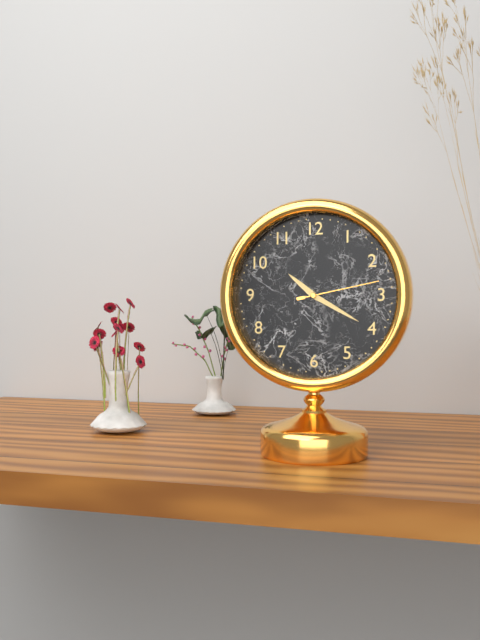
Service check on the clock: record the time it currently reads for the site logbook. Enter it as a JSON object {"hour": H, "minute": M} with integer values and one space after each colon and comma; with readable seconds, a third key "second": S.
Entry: {"hour": 10, "minute": 20, "second": 13}
